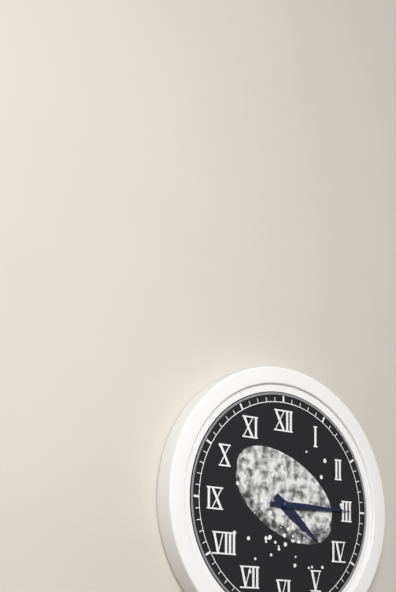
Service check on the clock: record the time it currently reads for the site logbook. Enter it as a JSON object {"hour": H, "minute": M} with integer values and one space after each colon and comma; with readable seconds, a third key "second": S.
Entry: {"hour": 4, "minute": 15}
